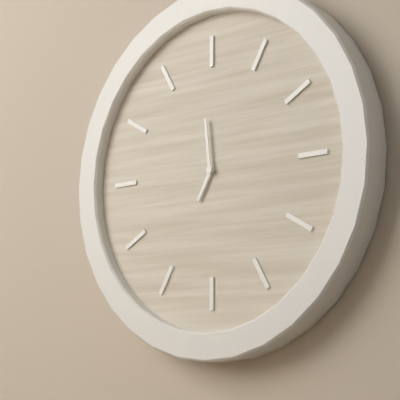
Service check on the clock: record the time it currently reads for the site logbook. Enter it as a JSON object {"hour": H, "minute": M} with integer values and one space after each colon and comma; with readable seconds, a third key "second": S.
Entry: {"hour": 6, "minute": 59}
